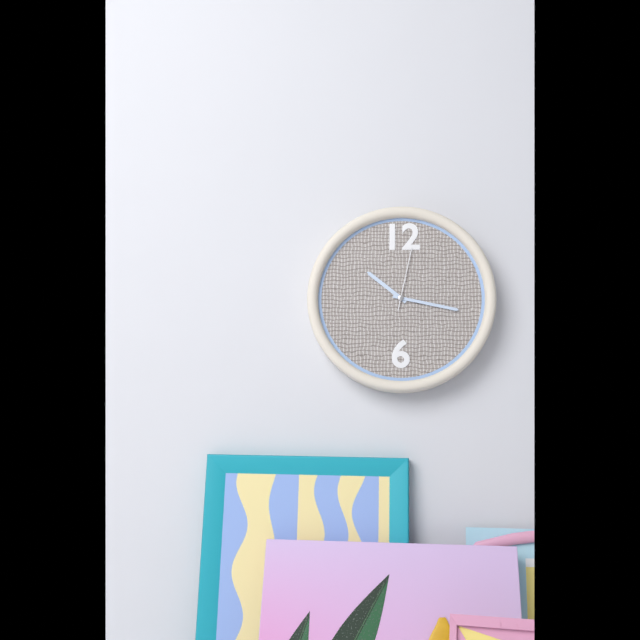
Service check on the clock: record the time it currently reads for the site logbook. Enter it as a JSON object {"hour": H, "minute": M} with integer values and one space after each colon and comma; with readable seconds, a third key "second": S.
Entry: {"hour": 10, "minute": 17, "second": 2}
